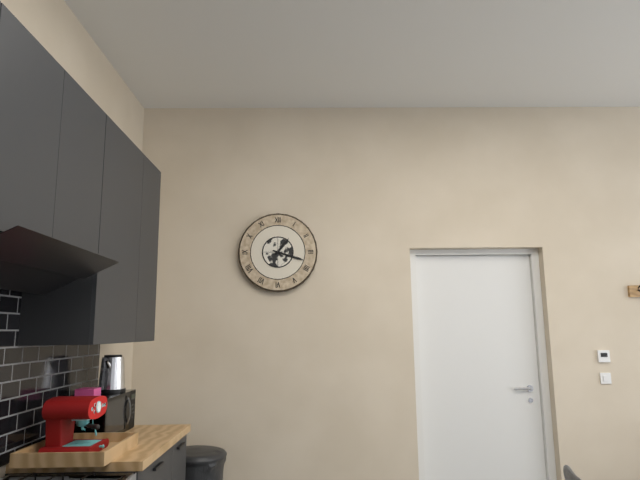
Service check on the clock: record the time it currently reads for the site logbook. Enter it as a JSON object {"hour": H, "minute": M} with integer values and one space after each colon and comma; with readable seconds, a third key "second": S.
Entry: {"hour": 1, "minute": 18}
